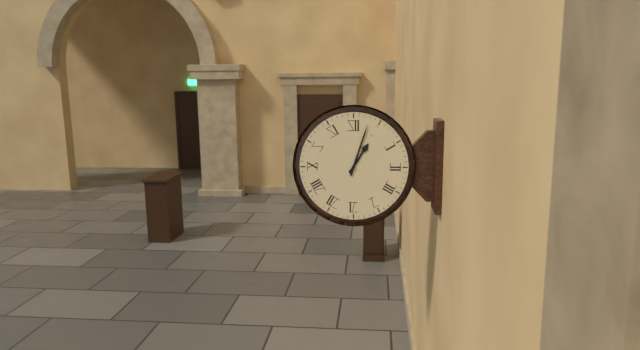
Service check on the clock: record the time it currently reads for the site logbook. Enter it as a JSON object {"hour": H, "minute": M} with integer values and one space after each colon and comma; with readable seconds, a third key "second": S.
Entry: {"hour": 1, "minute": 3}
